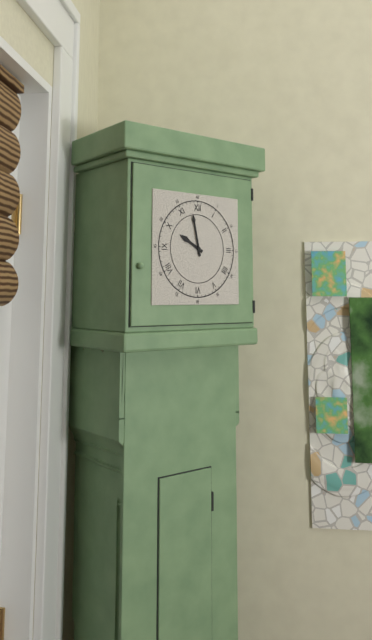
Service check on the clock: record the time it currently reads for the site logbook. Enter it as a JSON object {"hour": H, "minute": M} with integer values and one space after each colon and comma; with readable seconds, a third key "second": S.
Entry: {"hour": 9, "minute": 58}
